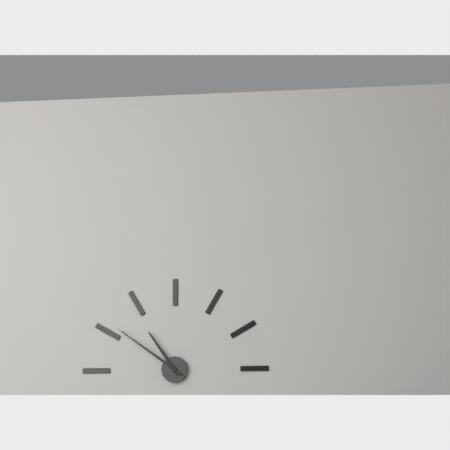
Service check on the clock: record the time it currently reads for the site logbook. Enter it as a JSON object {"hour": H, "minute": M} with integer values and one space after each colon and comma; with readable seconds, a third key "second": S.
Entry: {"hour": 10, "minute": 51}
